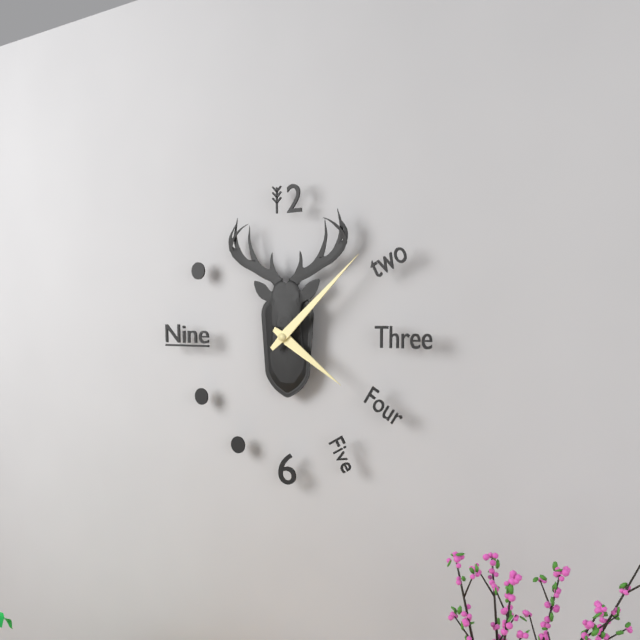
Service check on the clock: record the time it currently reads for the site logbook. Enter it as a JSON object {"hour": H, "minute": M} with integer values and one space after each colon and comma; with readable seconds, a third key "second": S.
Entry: {"hour": 4, "minute": 8}
